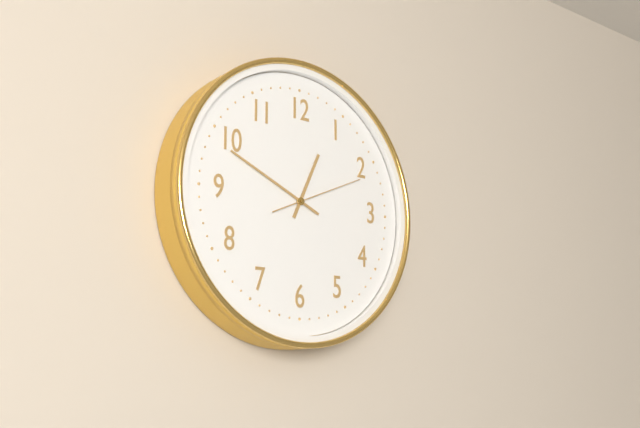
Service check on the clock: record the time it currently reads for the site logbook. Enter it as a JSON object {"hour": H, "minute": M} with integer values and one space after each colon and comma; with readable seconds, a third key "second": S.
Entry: {"hour": 12, "minute": 49, "second": 11}
